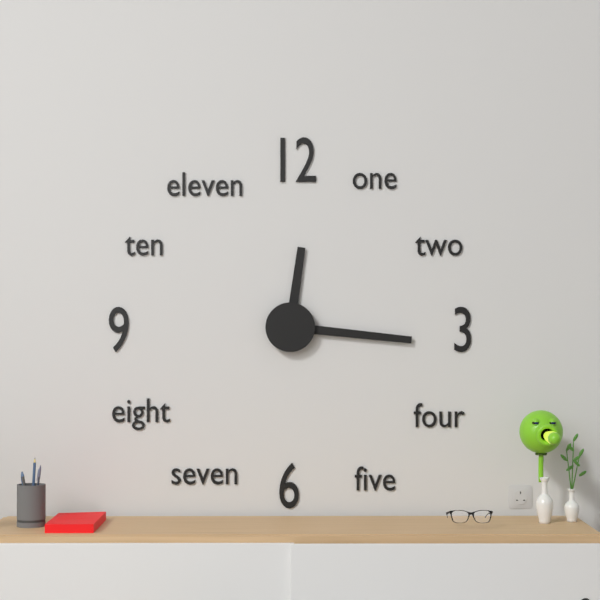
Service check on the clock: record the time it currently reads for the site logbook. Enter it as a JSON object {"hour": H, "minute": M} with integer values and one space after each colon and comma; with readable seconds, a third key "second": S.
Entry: {"hour": 12, "minute": 16}
